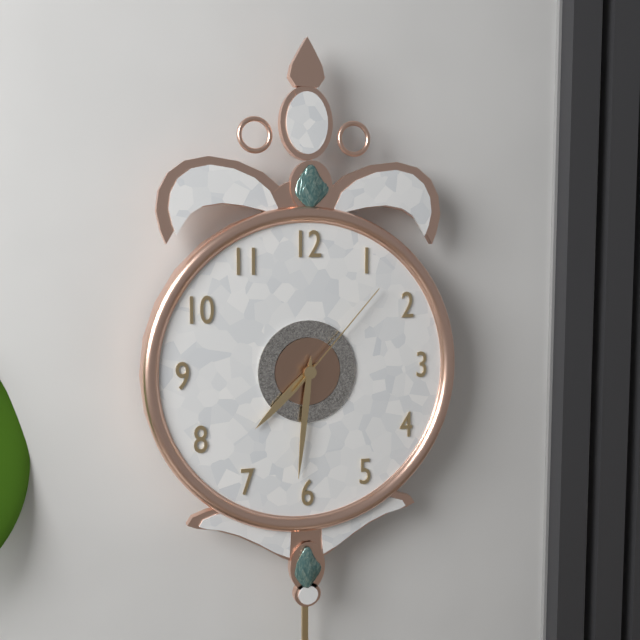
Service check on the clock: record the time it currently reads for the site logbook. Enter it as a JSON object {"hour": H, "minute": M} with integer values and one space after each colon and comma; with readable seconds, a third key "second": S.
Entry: {"hour": 7, "minute": 31, "second": 7}
